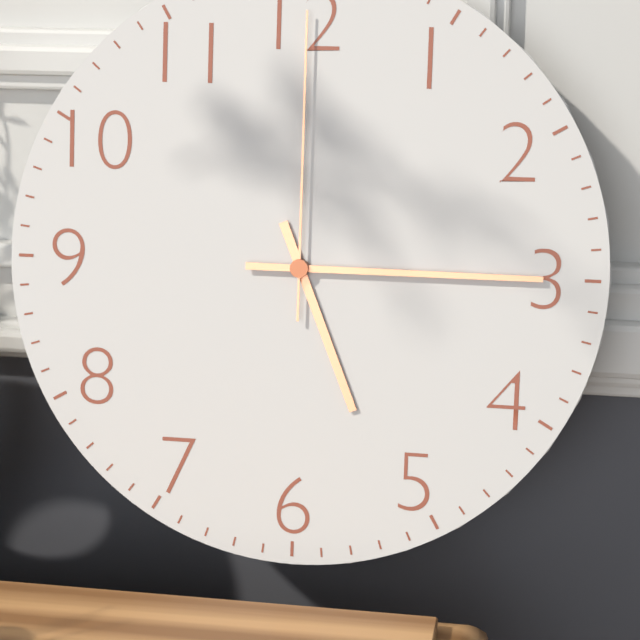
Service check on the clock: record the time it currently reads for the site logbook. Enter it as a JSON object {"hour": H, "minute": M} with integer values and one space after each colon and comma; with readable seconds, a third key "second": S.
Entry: {"hour": 5, "minute": 15, "second": 0}
